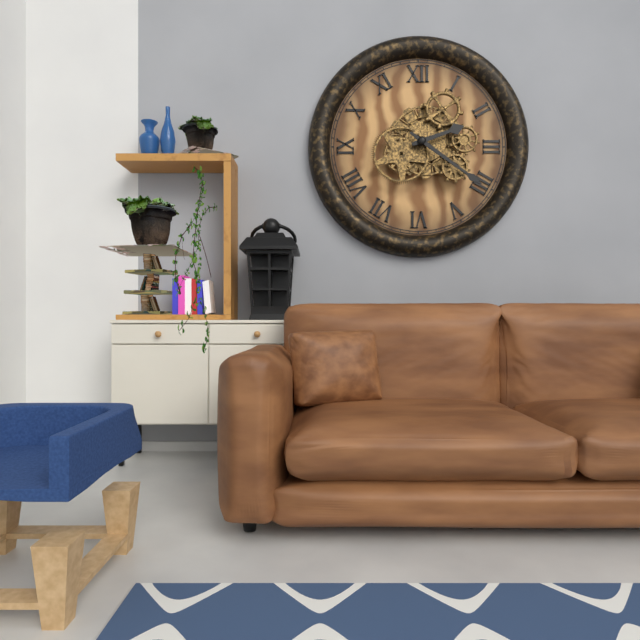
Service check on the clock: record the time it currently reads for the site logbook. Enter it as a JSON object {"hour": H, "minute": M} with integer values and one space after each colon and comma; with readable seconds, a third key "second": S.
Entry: {"hour": 2, "minute": 21}
